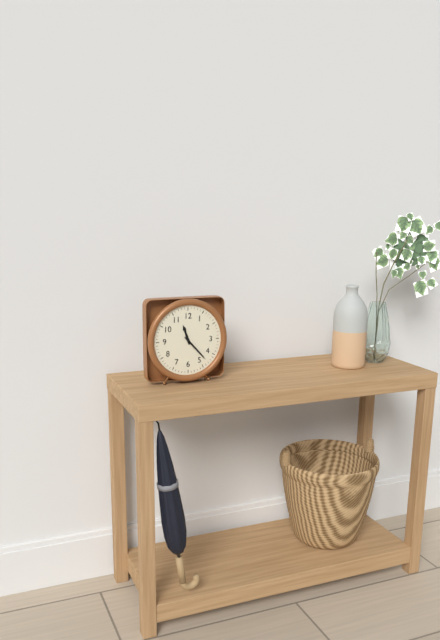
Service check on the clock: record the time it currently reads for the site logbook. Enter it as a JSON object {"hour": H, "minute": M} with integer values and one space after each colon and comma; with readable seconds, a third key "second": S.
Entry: {"hour": 11, "minute": 23}
